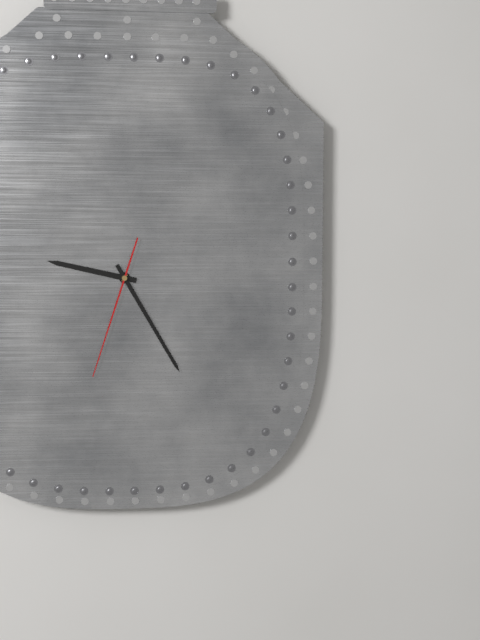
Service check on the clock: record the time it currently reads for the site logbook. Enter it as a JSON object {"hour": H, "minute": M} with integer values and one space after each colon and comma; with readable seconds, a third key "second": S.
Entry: {"hour": 9, "minute": 25, "second": 33}
